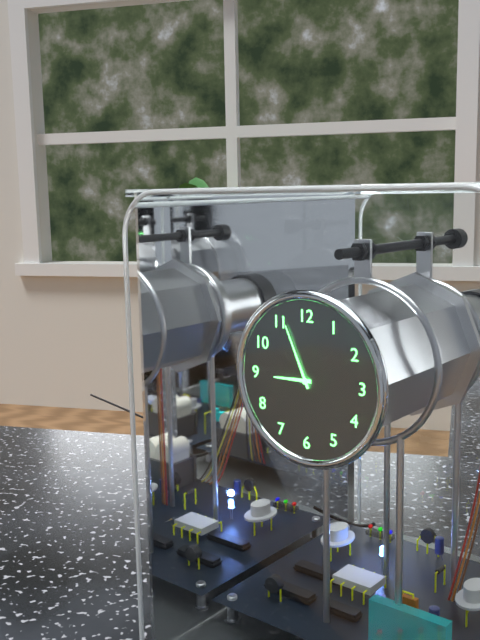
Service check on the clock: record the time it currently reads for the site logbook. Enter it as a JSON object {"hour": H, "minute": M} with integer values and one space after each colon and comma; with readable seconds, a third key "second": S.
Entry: {"hour": 8, "minute": 56}
